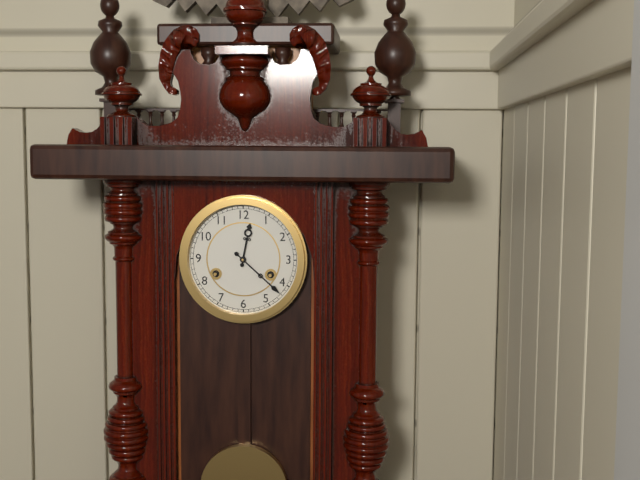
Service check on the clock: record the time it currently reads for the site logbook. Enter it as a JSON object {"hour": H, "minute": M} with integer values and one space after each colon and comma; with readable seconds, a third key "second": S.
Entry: {"hour": 12, "minute": 22}
